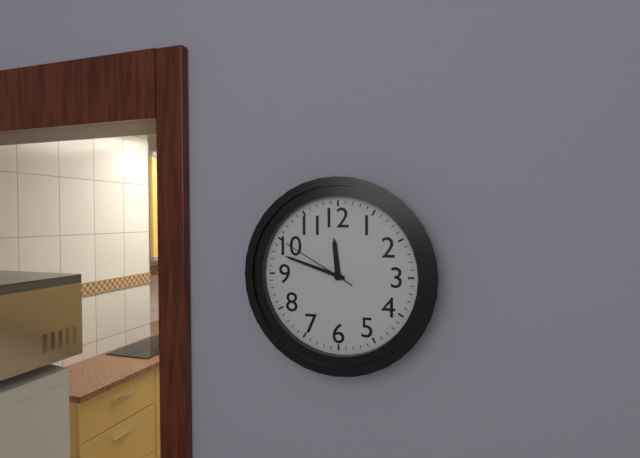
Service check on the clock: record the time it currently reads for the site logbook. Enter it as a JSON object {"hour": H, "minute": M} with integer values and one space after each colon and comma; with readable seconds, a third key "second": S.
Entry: {"hour": 11, "minute": 48, "second": 50}
